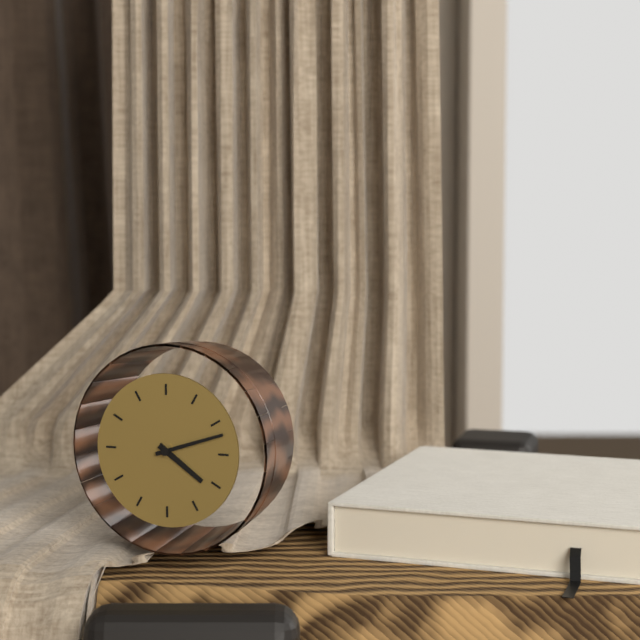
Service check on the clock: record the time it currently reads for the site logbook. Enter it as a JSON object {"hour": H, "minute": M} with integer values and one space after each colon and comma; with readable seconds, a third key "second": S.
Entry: {"hour": 4, "minute": 12}
